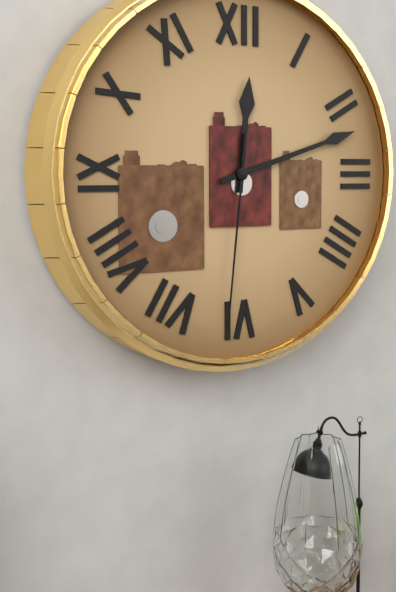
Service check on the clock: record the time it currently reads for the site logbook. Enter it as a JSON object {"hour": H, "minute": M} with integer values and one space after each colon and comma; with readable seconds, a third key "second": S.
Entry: {"hour": 12, "minute": 12, "second": 31}
